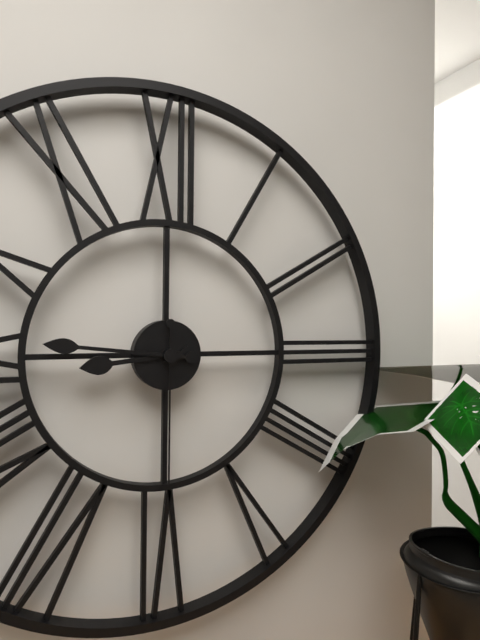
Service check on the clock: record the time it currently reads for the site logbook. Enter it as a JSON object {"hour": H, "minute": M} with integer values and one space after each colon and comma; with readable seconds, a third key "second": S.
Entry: {"hour": 8, "minute": 46, "second": 30}
